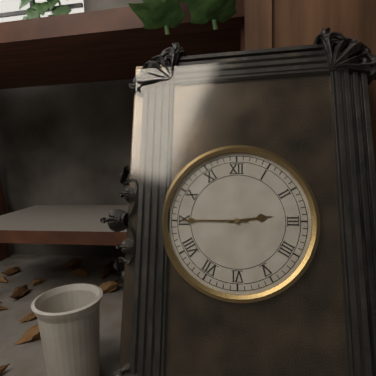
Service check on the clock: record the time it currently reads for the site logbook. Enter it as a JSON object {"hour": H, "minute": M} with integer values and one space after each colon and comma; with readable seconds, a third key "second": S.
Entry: {"hour": 2, "minute": 45}
